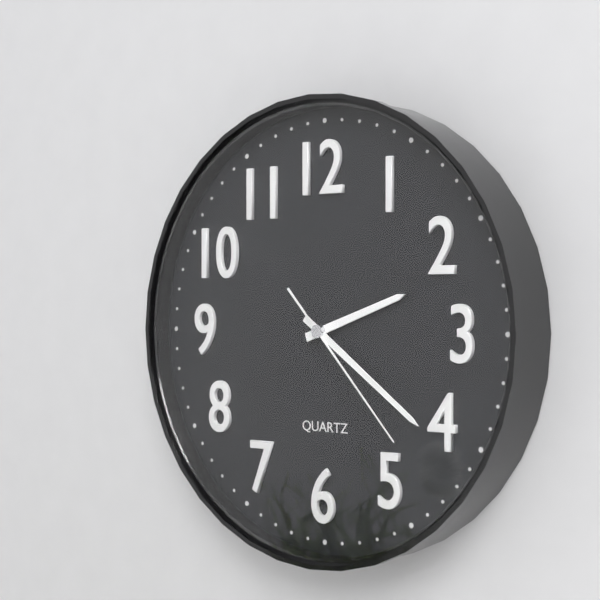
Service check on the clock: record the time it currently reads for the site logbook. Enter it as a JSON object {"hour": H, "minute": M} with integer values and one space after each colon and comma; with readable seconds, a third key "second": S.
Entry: {"hour": 2, "minute": 21, "second": 23}
